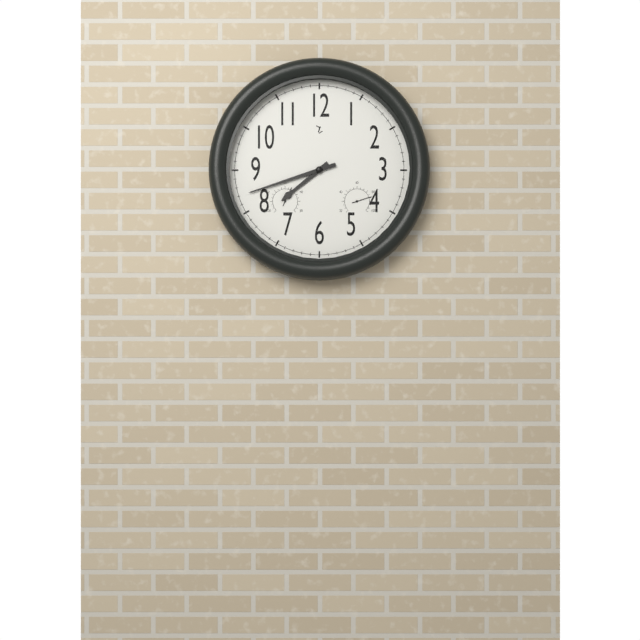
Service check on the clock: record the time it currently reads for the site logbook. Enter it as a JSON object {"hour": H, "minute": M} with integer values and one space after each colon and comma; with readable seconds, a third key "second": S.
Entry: {"hour": 7, "minute": 42}
